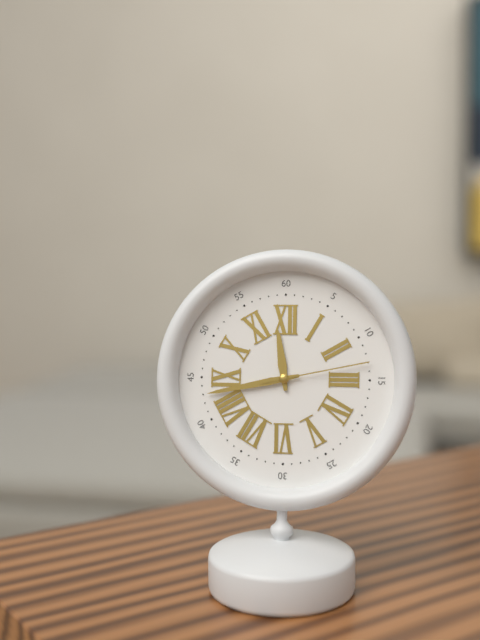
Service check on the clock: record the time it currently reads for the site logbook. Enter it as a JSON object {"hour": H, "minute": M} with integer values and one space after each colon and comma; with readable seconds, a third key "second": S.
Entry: {"hour": 11, "minute": 43, "second": 13}
